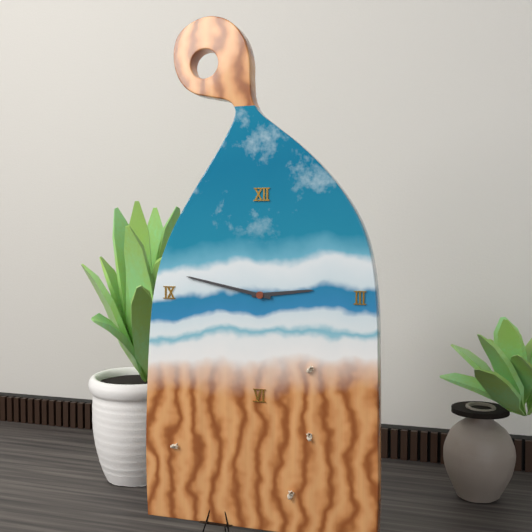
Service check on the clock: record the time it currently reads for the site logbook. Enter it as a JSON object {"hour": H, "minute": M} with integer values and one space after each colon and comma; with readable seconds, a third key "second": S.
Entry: {"hour": 2, "minute": 47}
